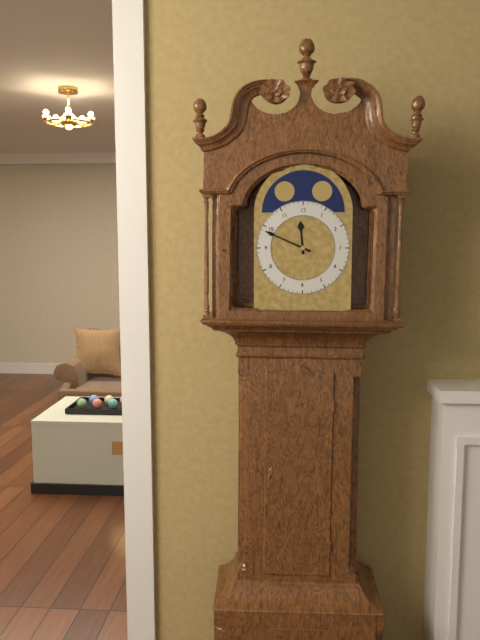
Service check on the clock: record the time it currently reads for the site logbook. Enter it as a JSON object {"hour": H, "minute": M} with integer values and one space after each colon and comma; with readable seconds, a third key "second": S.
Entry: {"hour": 11, "minute": 49}
